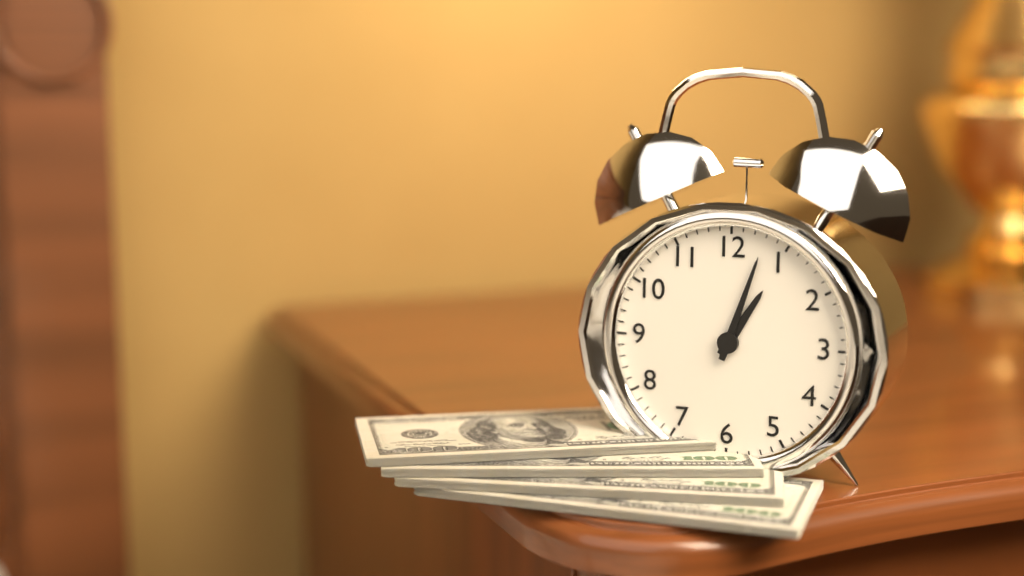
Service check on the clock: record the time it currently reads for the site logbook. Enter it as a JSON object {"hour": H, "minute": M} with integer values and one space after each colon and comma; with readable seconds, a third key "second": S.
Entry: {"hour": 1, "minute": 3}
